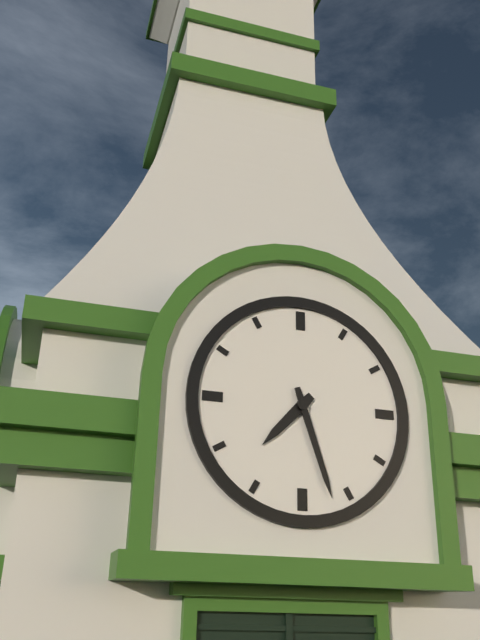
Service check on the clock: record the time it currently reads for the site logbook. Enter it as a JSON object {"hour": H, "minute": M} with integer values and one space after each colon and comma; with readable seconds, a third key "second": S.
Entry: {"hour": 7, "minute": 27}
